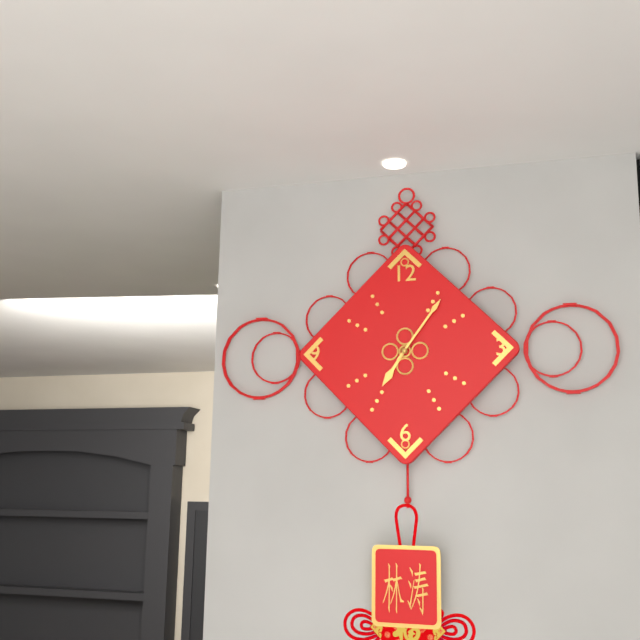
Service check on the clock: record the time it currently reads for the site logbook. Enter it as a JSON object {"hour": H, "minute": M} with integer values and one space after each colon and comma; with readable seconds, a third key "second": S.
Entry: {"hour": 7, "minute": 6}
